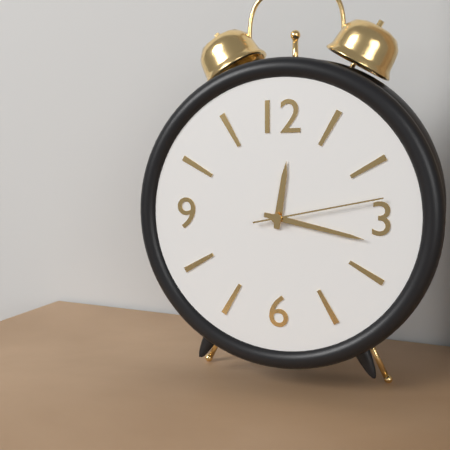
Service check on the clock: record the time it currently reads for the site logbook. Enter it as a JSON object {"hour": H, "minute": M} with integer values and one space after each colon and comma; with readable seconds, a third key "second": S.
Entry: {"hour": 12, "minute": 17, "second": 13}
